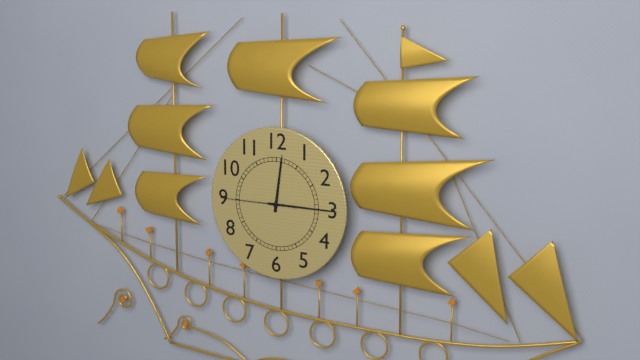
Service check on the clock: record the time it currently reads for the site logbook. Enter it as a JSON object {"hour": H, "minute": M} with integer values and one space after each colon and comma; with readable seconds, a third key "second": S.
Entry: {"hour": 12, "minute": 15, "second": 45}
